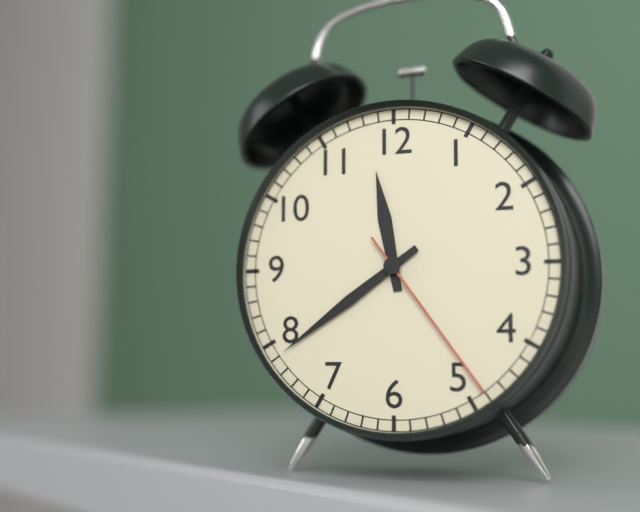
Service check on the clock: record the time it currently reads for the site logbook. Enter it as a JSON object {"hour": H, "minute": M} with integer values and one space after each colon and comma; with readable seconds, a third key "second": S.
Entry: {"hour": 11, "minute": 39, "second": 24}
